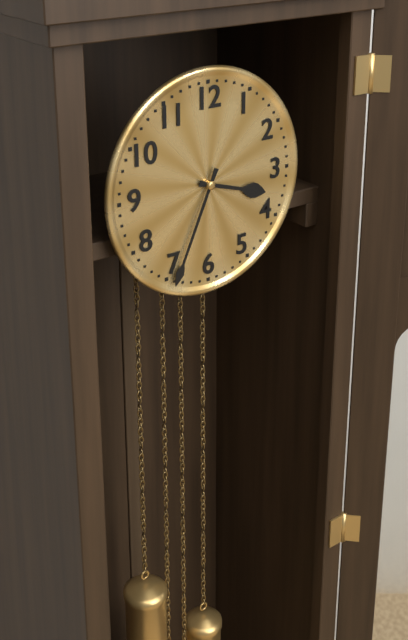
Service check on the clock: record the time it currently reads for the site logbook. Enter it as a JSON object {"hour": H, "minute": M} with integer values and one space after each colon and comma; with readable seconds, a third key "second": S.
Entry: {"hour": 3, "minute": 34}
